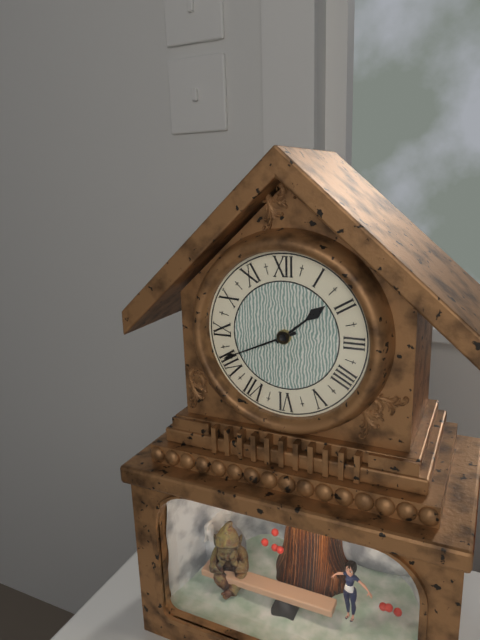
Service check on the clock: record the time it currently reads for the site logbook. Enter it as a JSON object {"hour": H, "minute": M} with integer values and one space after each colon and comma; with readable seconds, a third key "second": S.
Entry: {"hour": 1, "minute": 41}
